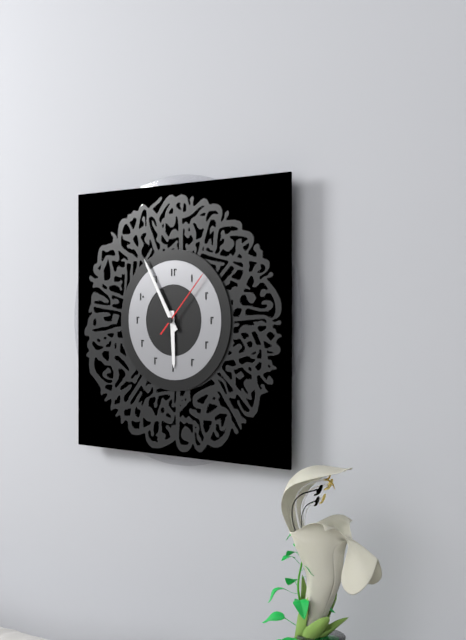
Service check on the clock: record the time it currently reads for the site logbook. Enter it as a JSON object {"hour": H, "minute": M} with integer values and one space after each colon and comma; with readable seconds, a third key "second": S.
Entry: {"hour": 5, "minute": 55, "second": 7}
